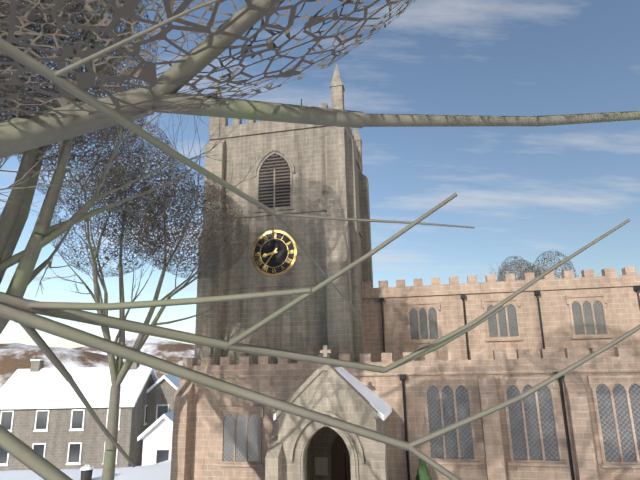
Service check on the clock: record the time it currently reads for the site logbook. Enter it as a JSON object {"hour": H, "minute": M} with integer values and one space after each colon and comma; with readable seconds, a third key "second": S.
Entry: {"hour": 8, "minute": 36}
